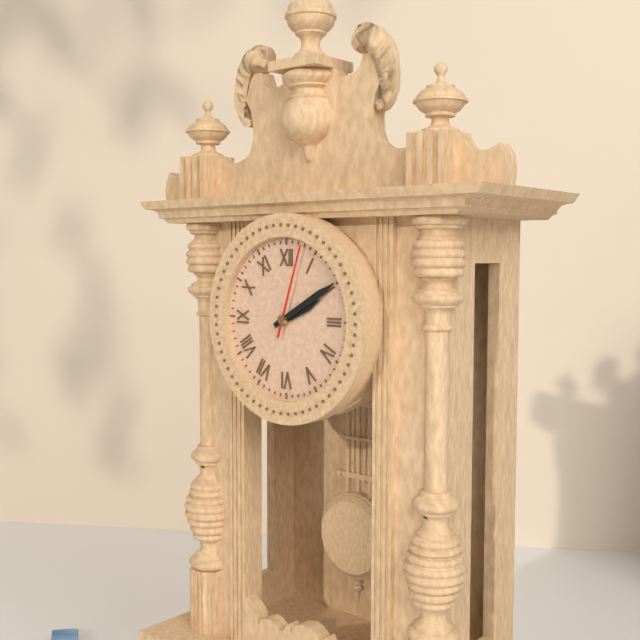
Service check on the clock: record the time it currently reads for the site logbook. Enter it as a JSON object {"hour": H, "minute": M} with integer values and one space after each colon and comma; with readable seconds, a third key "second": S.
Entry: {"hour": 2, "minute": 10, "second": 3}
